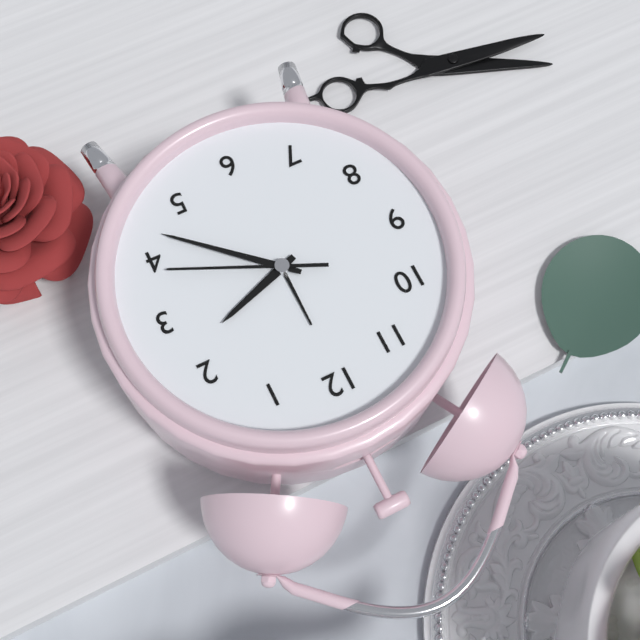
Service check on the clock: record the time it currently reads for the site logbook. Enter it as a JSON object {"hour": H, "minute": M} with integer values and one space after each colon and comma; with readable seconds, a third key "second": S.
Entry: {"hour": 2, "minute": 22, "second": 19}
